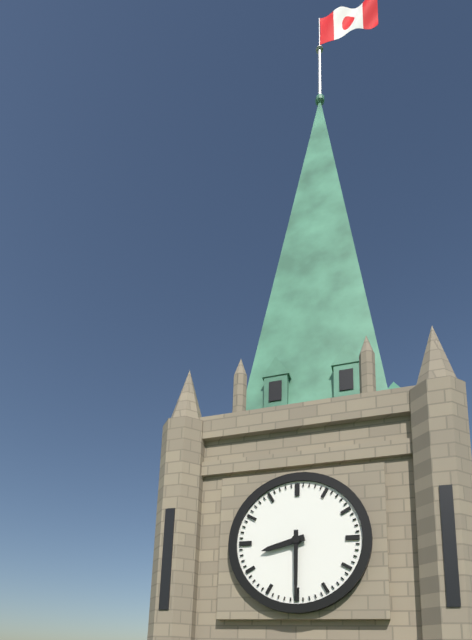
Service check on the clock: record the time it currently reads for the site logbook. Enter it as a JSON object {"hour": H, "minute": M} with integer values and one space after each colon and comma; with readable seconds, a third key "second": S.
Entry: {"hour": 8, "minute": 30}
